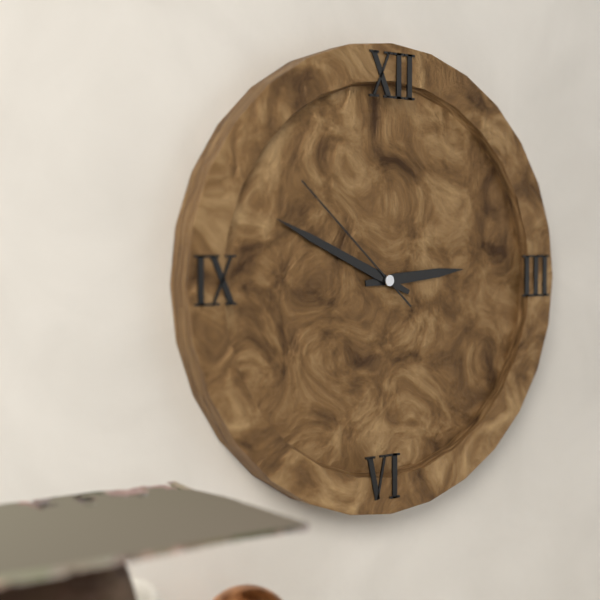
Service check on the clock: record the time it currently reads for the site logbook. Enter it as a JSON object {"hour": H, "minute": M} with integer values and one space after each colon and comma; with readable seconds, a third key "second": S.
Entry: {"hour": 2, "minute": 49, "second": 52}
